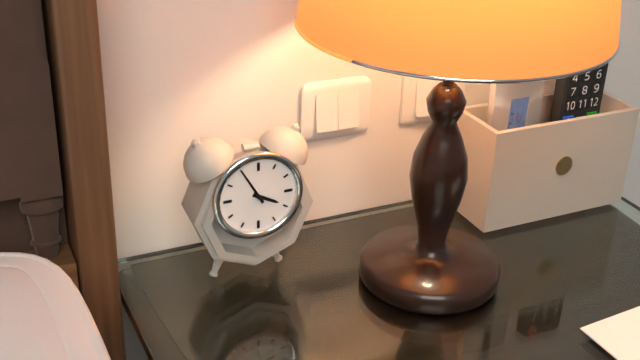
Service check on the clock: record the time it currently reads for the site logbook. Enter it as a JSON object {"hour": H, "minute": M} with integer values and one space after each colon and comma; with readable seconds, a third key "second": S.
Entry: {"hour": 3, "minute": 55}
